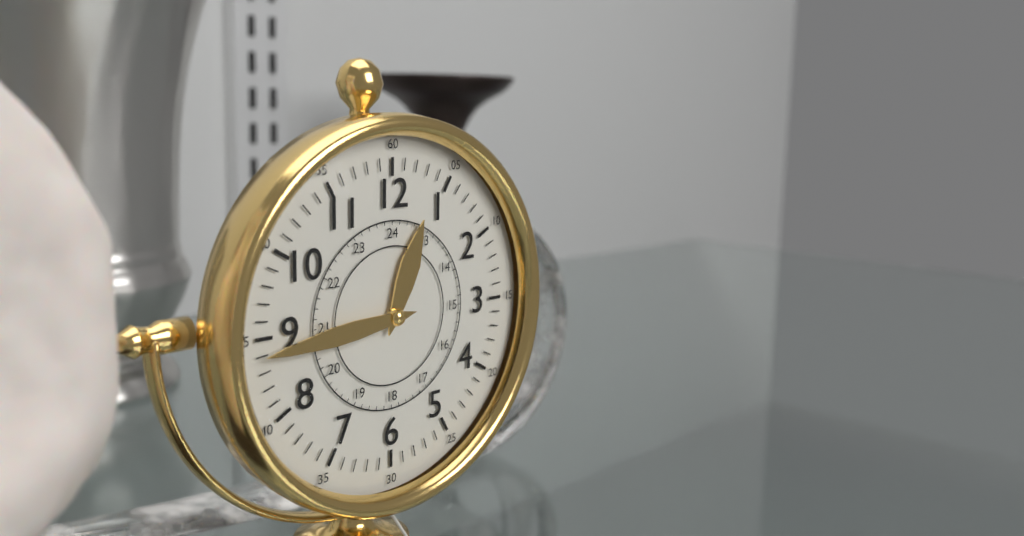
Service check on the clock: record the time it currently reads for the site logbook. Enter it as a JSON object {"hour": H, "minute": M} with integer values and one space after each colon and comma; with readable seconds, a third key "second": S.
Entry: {"hour": 12, "minute": 44}
